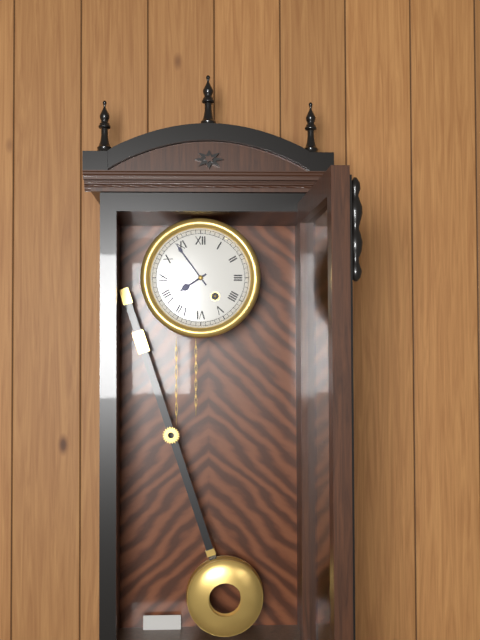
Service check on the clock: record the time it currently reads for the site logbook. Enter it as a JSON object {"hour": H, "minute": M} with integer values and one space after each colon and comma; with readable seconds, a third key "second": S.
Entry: {"hour": 7, "minute": 54}
